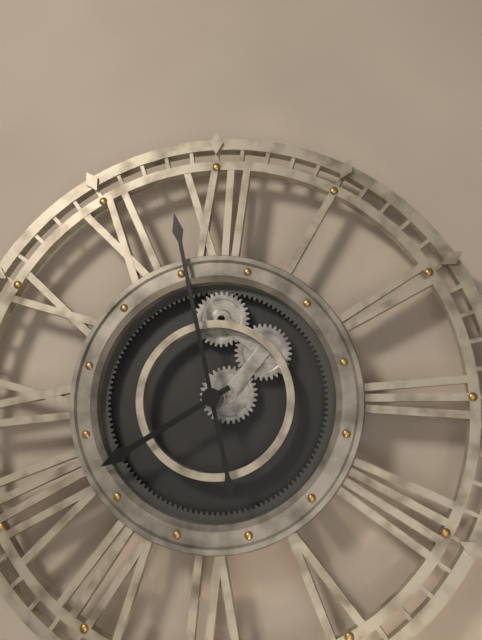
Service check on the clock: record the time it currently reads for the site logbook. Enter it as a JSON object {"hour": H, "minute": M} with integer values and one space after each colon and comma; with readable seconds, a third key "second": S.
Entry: {"hour": 7, "minute": 58}
